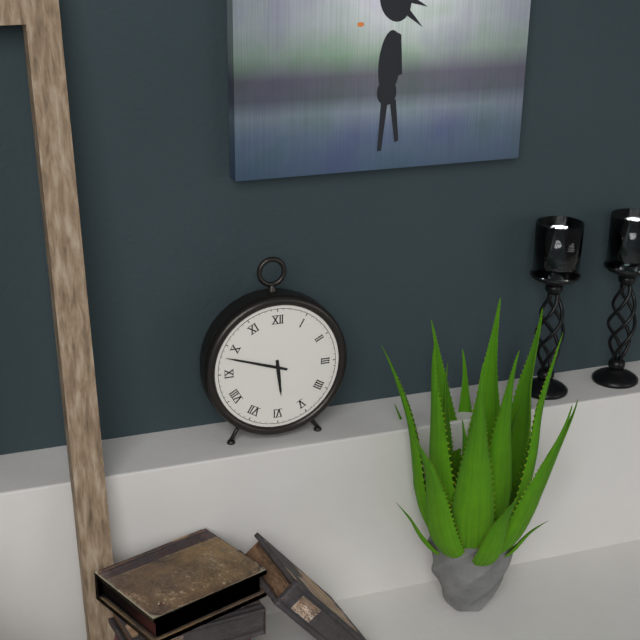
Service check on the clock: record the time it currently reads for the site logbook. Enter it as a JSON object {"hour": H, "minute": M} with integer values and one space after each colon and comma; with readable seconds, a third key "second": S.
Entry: {"hour": 5, "minute": 48}
